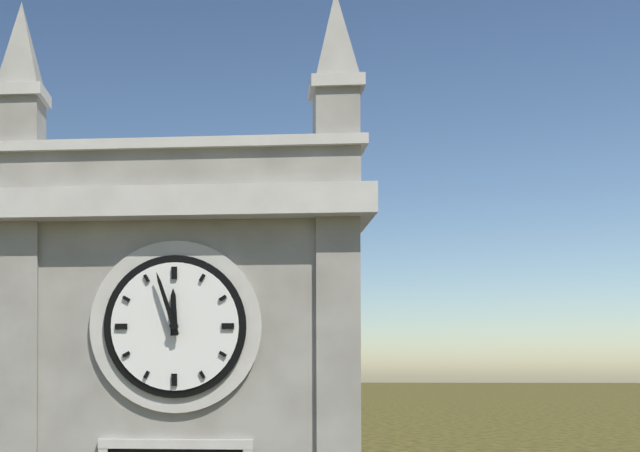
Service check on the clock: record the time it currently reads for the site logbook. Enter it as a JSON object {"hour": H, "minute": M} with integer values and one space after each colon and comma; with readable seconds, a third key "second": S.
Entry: {"hour": 11, "minute": 57}
